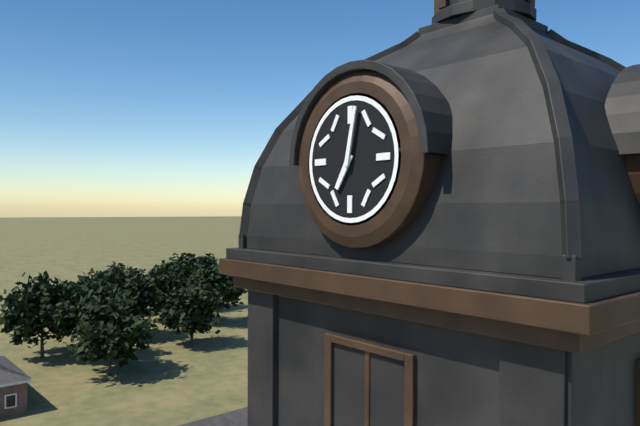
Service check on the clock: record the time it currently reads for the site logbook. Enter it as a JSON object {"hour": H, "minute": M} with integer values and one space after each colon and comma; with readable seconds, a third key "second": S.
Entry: {"hour": 7, "minute": 2}
